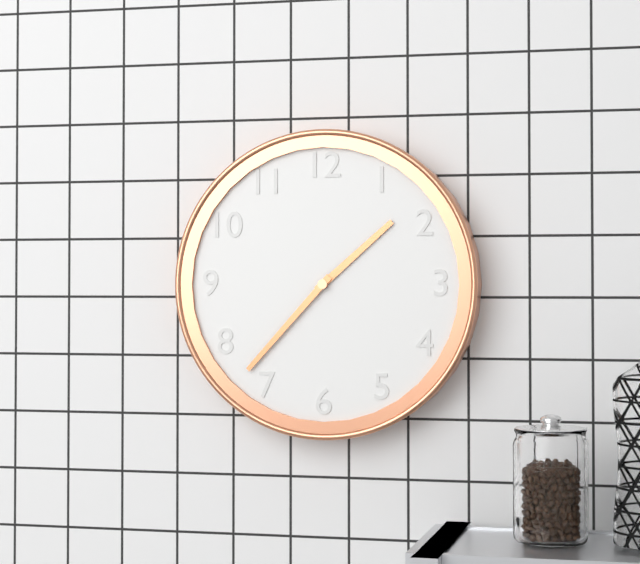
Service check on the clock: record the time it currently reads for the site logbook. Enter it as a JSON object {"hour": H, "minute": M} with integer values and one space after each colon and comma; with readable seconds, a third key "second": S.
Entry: {"hour": 1, "minute": 37}
